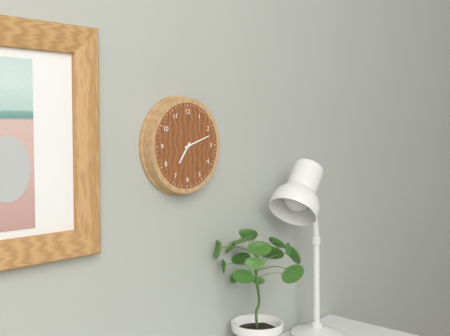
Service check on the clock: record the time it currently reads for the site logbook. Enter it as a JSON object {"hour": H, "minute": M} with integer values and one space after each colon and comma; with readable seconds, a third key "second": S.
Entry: {"hour": 7, "minute": 12}
